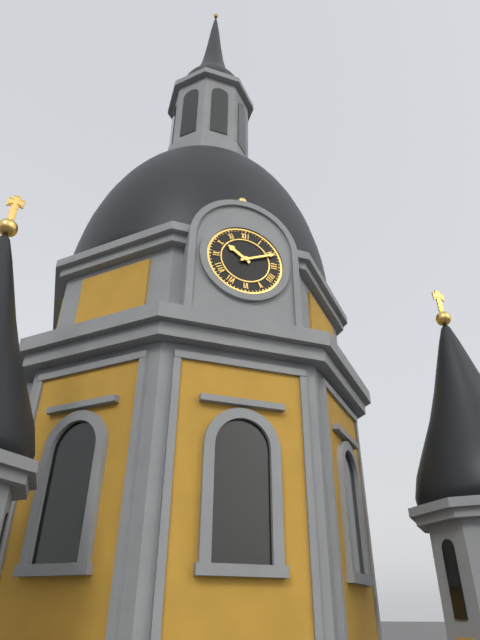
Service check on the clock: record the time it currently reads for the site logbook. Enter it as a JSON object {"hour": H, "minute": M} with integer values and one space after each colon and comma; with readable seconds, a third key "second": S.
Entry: {"hour": 10, "minute": 11}
